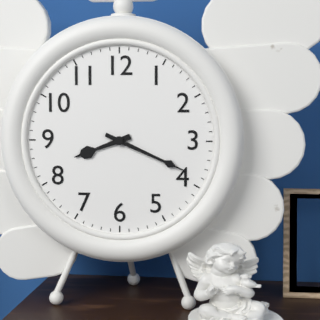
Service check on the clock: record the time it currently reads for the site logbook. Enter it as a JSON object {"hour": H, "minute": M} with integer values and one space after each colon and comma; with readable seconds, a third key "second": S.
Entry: {"hour": 8, "minute": 19}
